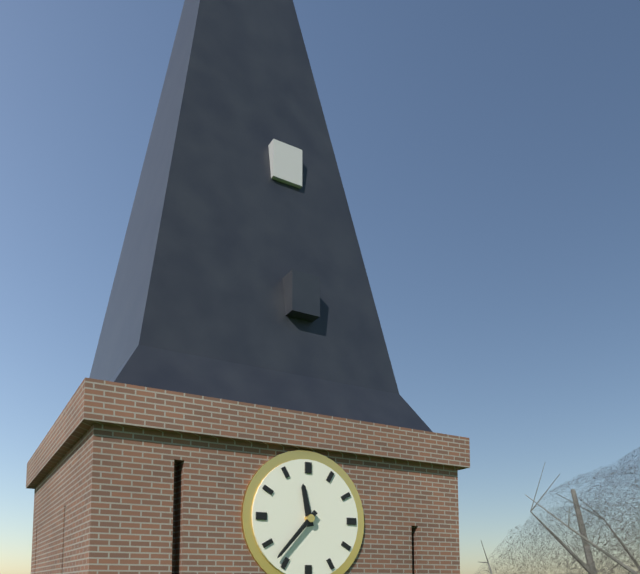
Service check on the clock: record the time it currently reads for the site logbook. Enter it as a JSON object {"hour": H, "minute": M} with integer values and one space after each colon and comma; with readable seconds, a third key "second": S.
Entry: {"hour": 11, "minute": 37}
